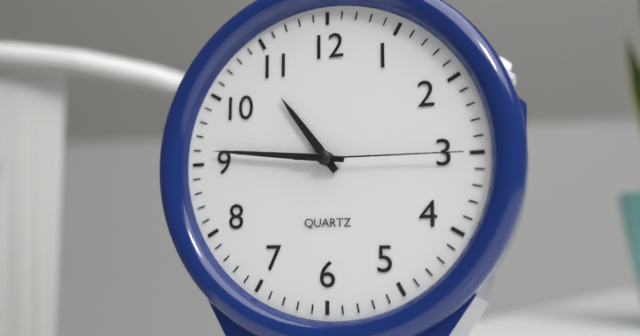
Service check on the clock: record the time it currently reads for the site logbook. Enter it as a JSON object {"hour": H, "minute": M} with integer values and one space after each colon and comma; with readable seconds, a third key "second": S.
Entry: {"hour": 10, "minute": 46, "second": 15}
